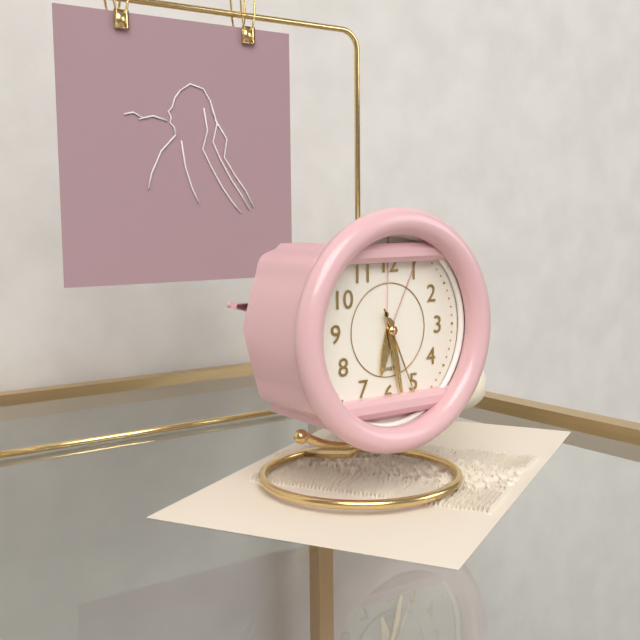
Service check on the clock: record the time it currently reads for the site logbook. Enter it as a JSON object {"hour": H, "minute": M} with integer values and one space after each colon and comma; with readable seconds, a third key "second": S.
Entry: {"hour": 6, "minute": 28, "second": 26}
